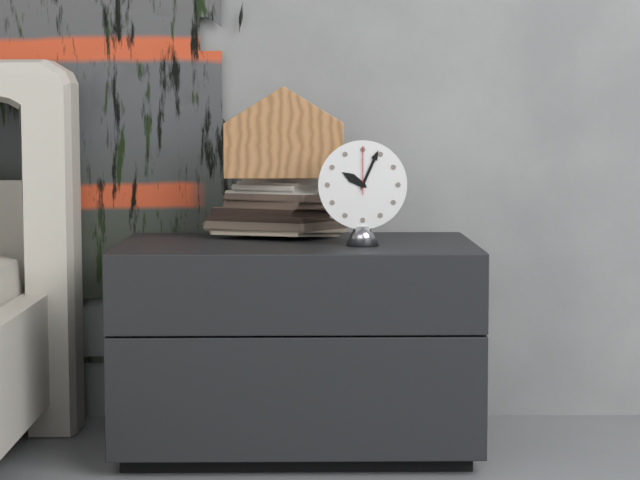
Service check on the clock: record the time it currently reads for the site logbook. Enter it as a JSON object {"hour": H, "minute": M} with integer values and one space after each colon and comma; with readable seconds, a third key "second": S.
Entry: {"hour": 10, "minute": 4}
